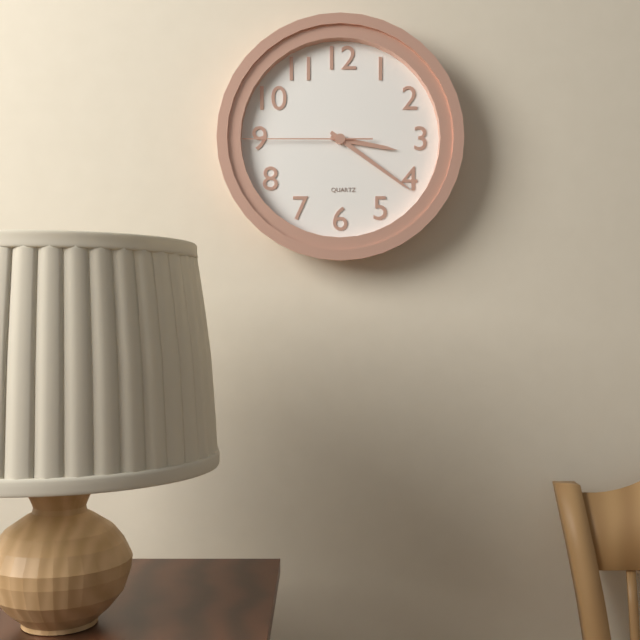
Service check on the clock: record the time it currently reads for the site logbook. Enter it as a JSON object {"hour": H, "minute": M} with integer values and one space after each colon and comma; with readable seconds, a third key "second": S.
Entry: {"hour": 3, "minute": 21, "second": 45}
